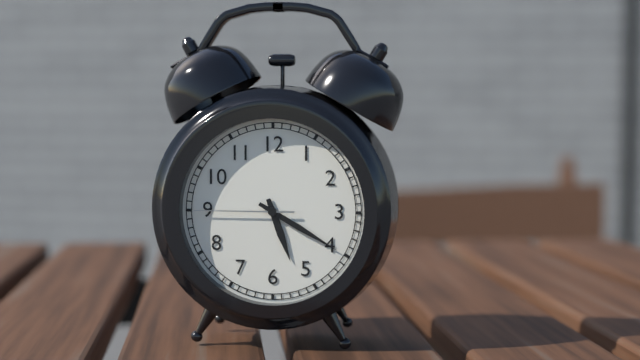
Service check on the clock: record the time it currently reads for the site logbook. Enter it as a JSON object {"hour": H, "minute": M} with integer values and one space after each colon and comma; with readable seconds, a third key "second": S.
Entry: {"hour": 5, "minute": 20, "second": 45}
